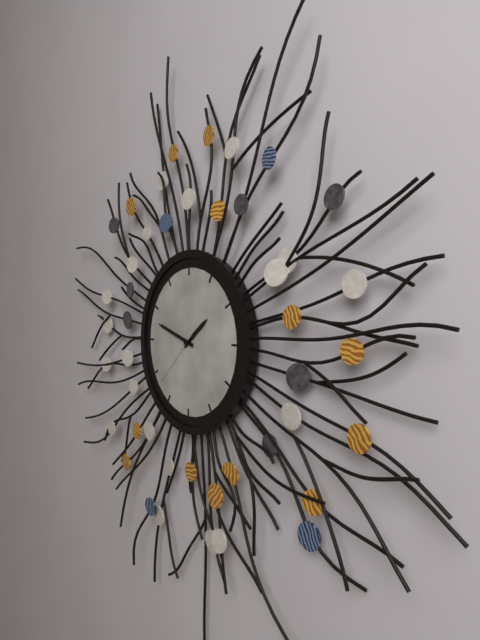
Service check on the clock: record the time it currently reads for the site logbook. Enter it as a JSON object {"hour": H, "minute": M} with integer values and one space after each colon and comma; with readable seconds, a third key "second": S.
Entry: {"hour": 1, "minute": 48, "second": 38}
